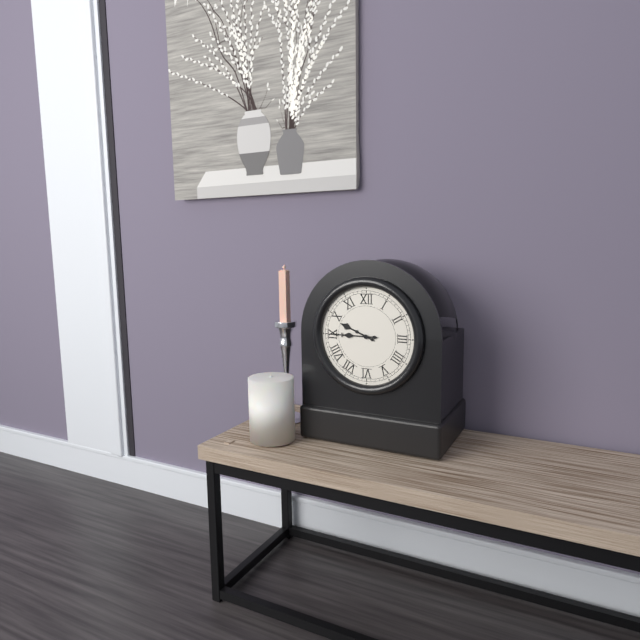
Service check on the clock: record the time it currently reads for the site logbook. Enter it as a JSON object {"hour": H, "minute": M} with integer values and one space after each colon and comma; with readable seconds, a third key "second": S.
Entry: {"hour": 9, "minute": 45}
